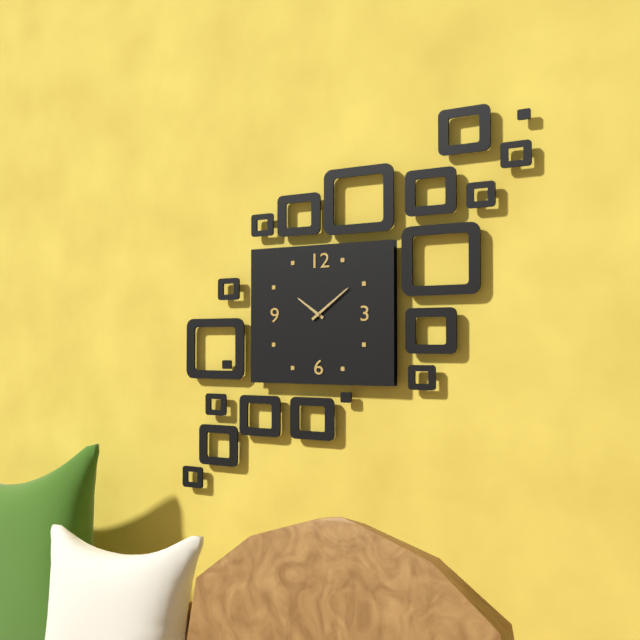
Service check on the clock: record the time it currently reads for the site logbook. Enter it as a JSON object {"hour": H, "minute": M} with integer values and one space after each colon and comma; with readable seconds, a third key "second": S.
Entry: {"hour": 10, "minute": 9}
